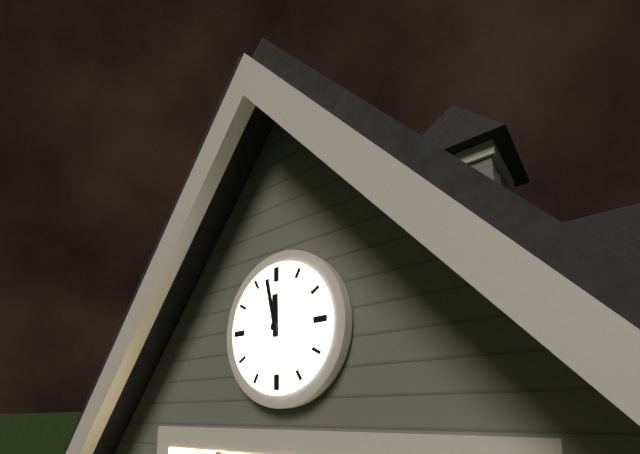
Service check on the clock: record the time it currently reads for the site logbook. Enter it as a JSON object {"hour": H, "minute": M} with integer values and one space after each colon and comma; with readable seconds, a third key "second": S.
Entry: {"hour": 11, "minute": 58}
